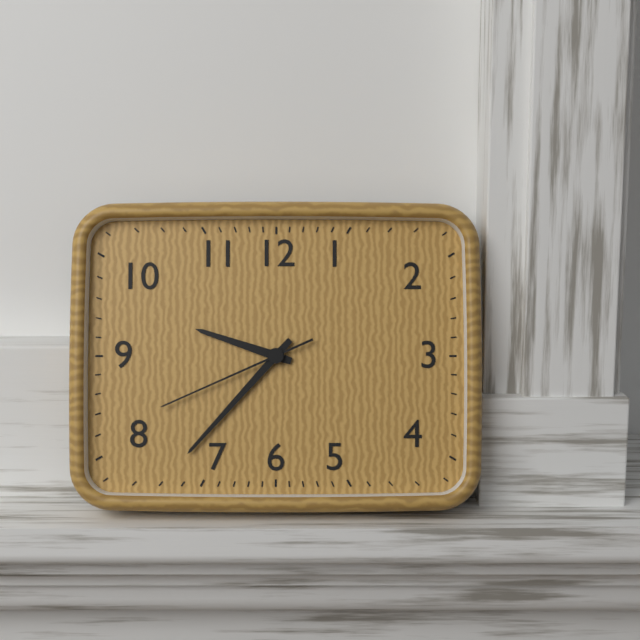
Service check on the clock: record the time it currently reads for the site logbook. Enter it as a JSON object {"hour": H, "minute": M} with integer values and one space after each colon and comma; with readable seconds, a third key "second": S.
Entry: {"hour": 9, "minute": 37, "second": 41}
